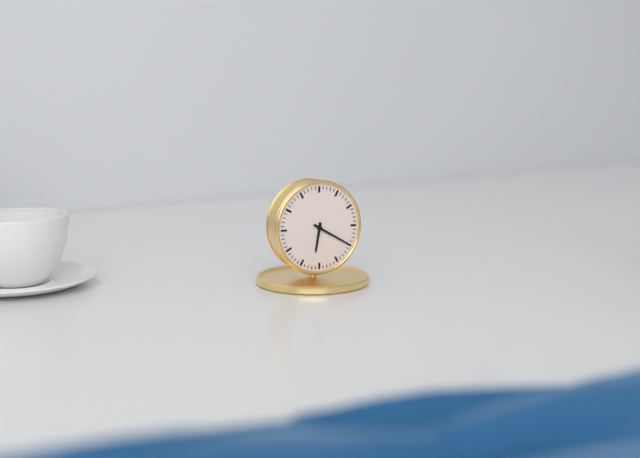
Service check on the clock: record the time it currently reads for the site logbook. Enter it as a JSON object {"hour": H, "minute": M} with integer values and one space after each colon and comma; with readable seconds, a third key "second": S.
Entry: {"hour": 6, "minute": 20}
